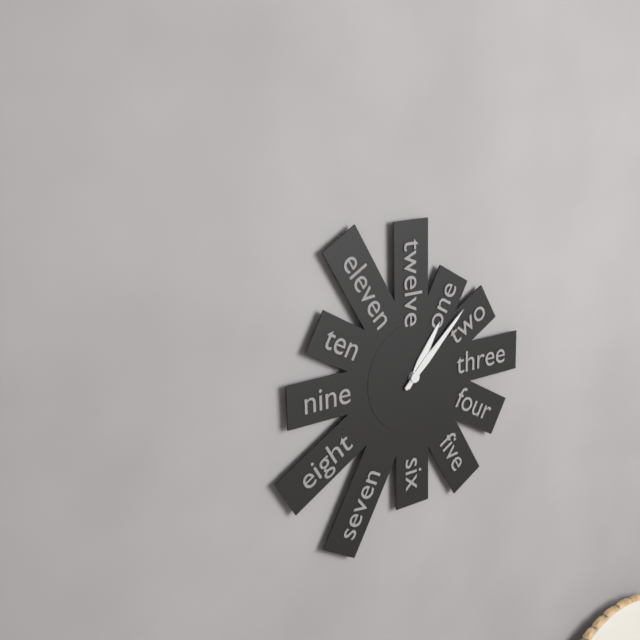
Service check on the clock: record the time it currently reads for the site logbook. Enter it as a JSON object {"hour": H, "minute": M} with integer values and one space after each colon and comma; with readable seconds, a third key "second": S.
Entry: {"hour": 1, "minute": 8}
